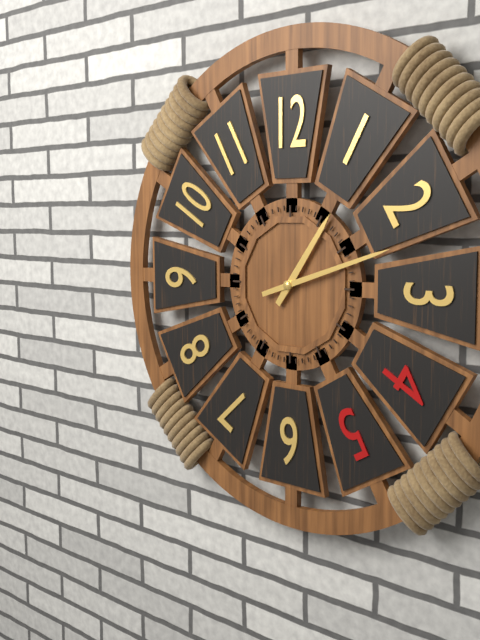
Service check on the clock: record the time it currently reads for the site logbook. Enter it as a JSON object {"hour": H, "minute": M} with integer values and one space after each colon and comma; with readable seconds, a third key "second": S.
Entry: {"hour": 1, "minute": 12}
